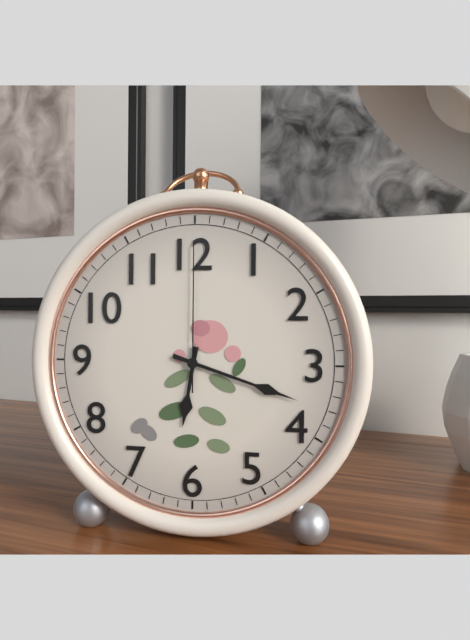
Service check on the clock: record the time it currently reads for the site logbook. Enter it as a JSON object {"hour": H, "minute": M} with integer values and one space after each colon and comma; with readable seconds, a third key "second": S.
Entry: {"hour": 6, "minute": 18, "second": 0}
